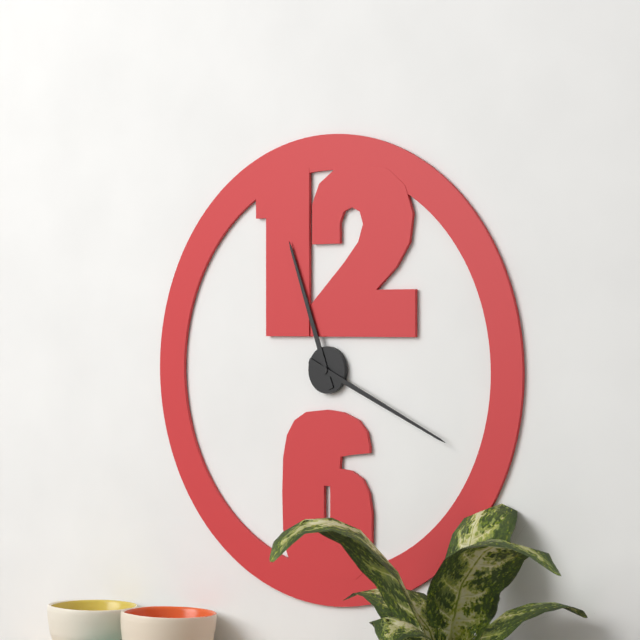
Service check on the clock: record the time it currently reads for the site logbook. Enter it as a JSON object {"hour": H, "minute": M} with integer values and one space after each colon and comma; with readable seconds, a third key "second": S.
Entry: {"hour": 11, "minute": 19}
